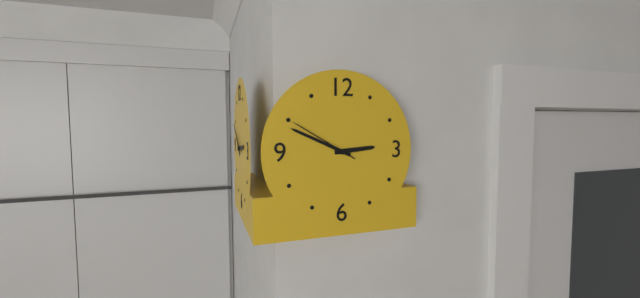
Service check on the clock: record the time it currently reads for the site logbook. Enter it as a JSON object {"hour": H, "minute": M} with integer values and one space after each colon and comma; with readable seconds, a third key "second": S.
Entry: {"hour": 2, "minute": 49, "second": 50}
